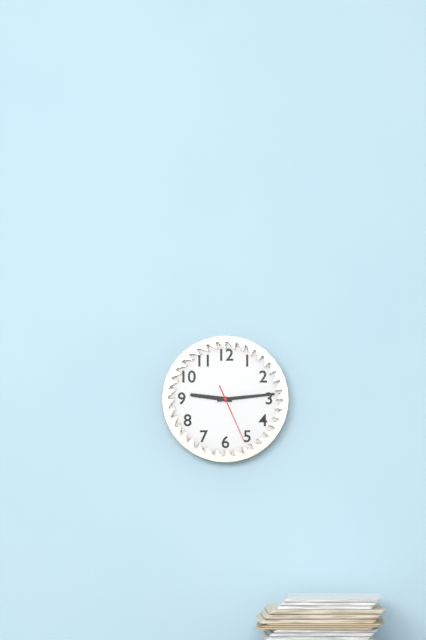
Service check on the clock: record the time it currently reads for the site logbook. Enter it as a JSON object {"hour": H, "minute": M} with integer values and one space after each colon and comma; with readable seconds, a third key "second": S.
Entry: {"hour": 9, "minute": 14, "second": 26}
